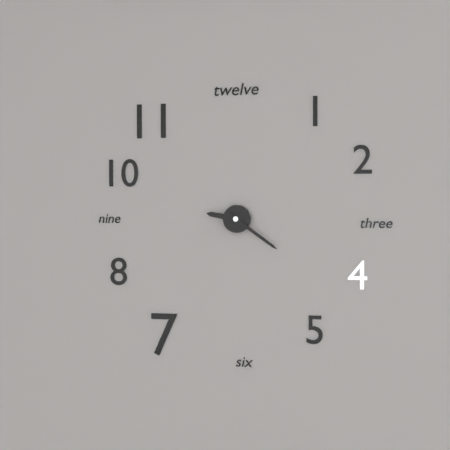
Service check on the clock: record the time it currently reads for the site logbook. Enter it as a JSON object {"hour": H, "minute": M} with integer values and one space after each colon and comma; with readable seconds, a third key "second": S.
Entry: {"hour": 9, "minute": 21}
